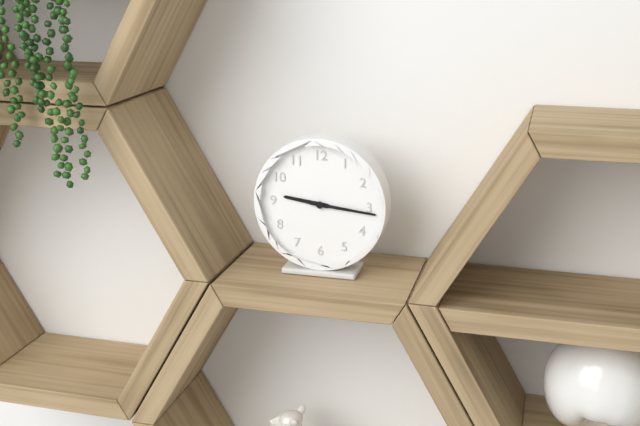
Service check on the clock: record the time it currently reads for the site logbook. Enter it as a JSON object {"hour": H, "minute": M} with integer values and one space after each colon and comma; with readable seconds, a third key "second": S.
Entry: {"hour": 9, "minute": 16}
